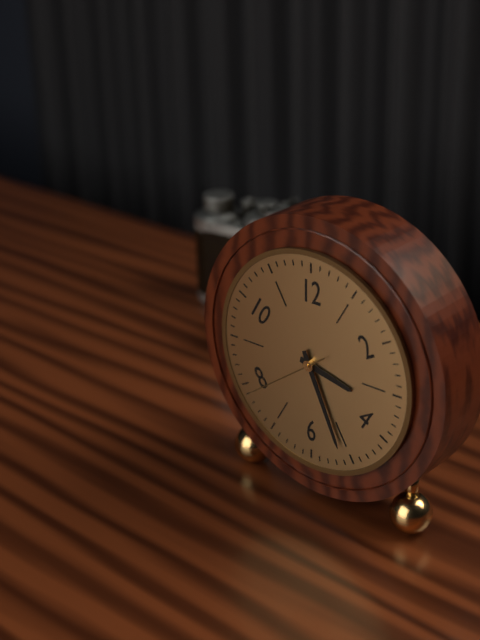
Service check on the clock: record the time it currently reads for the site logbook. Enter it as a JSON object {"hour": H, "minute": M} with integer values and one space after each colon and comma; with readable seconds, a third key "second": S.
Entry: {"hour": 3, "minute": 26, "second": 39}
